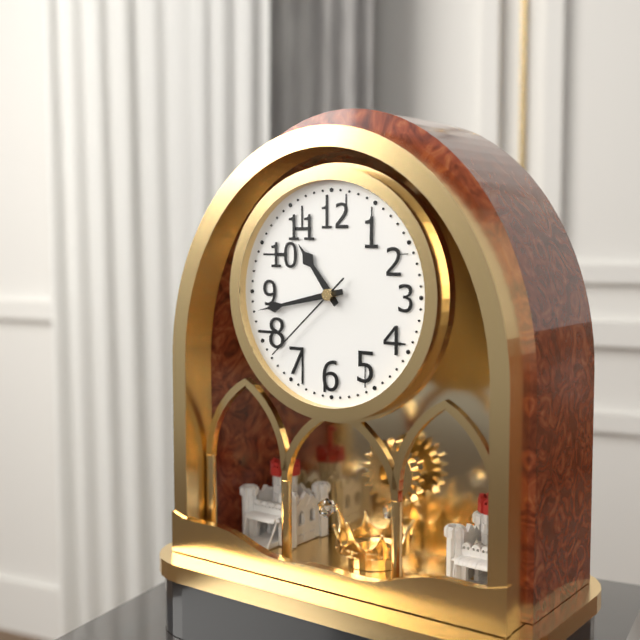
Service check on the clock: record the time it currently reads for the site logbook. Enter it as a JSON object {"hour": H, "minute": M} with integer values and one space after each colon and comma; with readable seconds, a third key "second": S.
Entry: {"hour": 10, "minute": 43, "second": 38}
